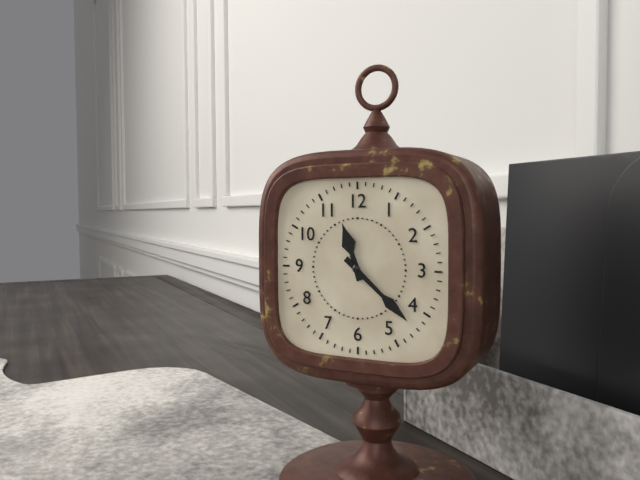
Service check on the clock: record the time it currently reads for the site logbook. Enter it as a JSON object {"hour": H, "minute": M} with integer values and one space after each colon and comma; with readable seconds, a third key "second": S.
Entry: {"hour": 11, "minute": 22}
